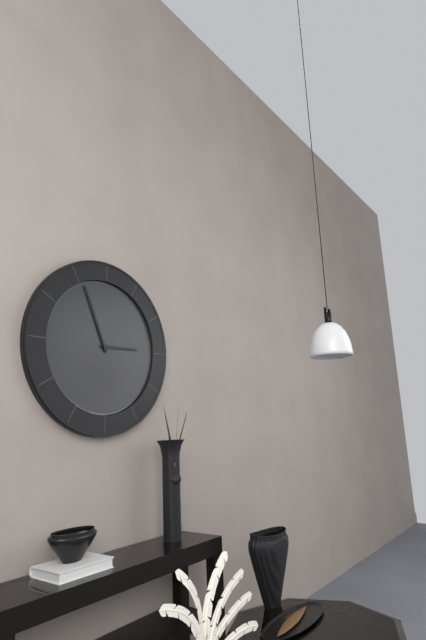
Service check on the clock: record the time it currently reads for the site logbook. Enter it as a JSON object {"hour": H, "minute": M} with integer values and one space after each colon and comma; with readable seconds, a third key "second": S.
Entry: {"hour": 2, "minute": 56}
